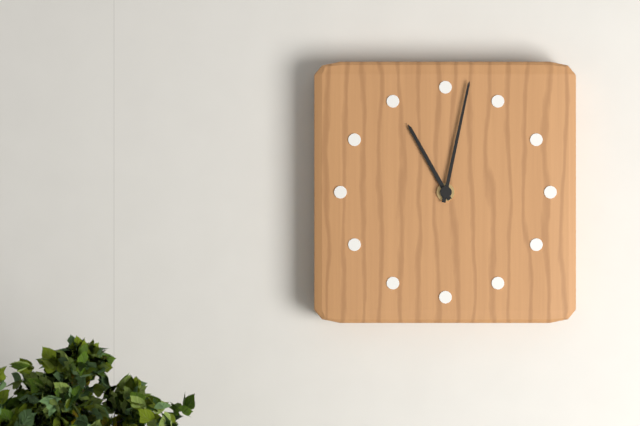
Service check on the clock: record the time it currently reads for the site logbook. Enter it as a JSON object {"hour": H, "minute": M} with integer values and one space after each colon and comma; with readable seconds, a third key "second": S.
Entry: {"hour": 11, "minute": 2}
